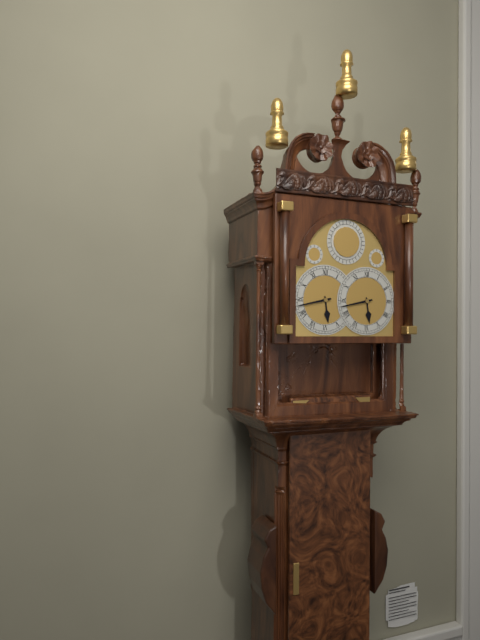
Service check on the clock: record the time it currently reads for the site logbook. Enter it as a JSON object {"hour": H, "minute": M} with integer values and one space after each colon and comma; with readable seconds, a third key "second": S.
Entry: {"hour": 5, "minute": 43}
